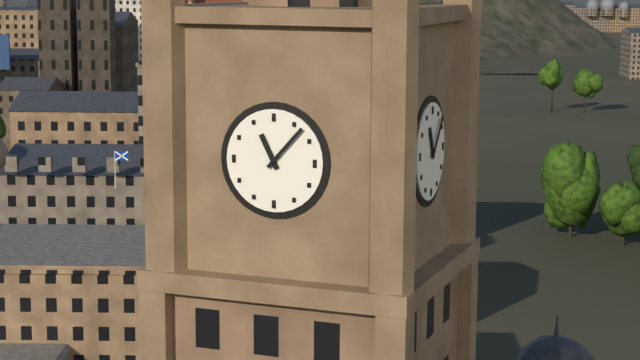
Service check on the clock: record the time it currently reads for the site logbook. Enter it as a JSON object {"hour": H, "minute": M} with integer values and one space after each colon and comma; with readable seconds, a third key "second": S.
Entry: {"hour": 11, "minute": 7}
